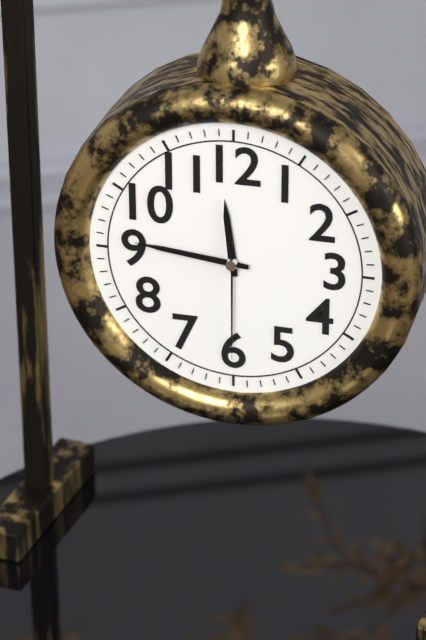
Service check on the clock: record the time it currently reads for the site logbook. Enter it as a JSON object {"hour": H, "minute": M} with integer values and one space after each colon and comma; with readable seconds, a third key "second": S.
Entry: {"hour": 11, "minute": 46, "second": 30}
